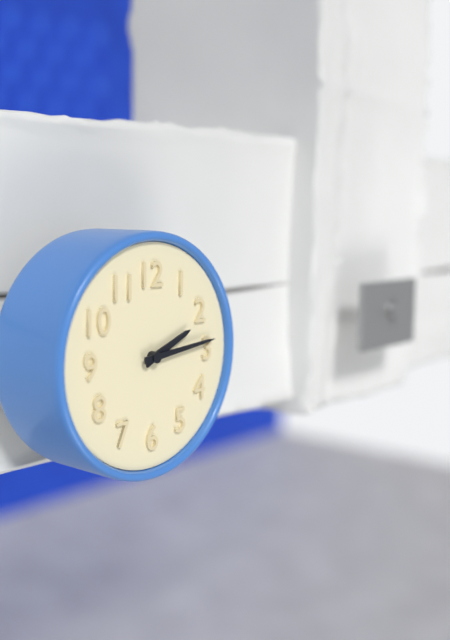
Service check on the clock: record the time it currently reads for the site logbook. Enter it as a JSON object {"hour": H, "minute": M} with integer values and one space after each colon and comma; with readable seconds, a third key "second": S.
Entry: {"hour": 2, "minute": 14}
